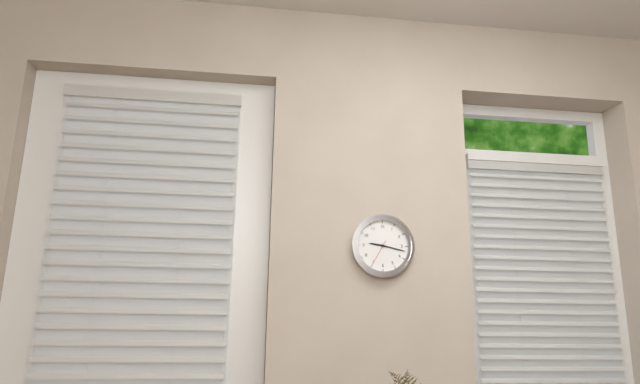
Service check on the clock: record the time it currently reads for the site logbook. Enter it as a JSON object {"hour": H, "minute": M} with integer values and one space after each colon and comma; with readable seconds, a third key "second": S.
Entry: {"hour": 9, "minute": 17}
